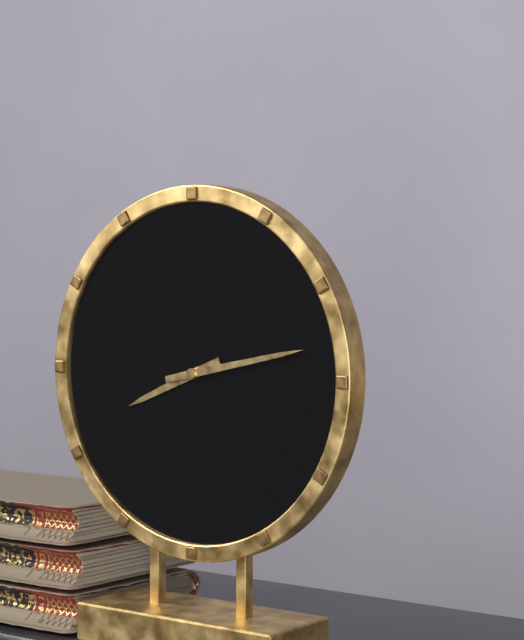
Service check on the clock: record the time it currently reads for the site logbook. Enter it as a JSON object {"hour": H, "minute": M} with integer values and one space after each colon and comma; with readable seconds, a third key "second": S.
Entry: {"hour": 8, "minute": 13}
